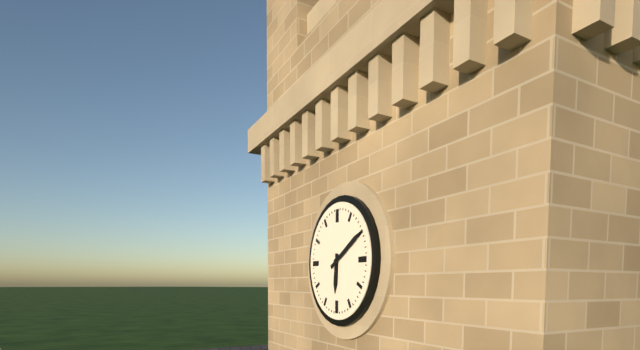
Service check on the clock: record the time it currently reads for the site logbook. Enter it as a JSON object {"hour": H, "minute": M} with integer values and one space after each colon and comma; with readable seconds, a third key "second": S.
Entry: {"hour": 6, "minute": 10}
